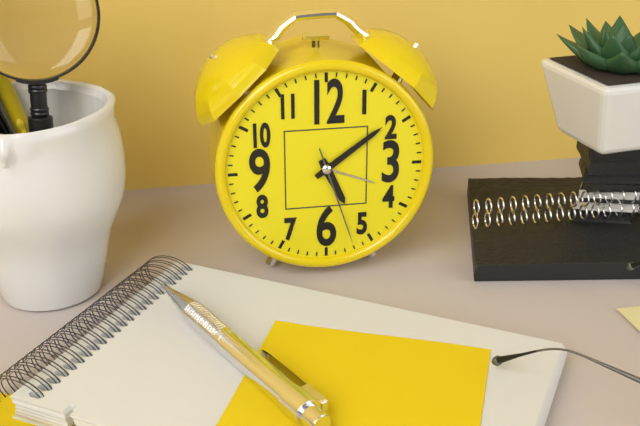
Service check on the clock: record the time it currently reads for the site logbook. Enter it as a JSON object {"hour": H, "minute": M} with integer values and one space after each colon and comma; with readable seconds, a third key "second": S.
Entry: {"hour": 5, "minute": 9, "second": 27}
